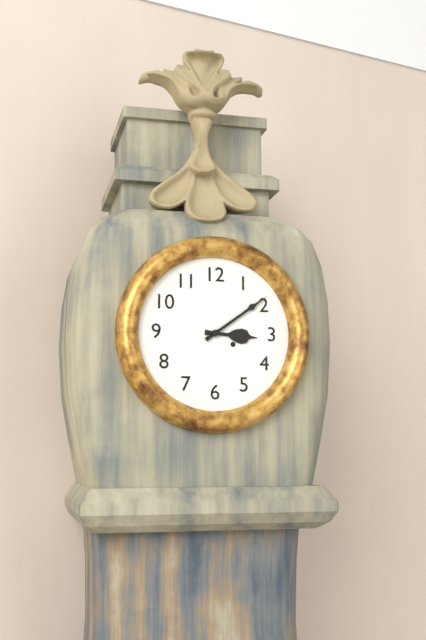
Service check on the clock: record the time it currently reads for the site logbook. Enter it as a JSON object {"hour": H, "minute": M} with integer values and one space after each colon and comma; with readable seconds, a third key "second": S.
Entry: {"hour": 3, "minute": 9}
